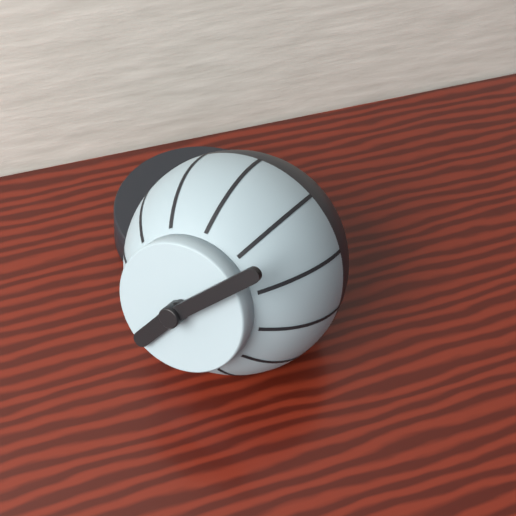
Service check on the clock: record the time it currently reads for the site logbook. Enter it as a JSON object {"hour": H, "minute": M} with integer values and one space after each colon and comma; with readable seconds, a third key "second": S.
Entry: {"hour": 7, "minute": 7}
